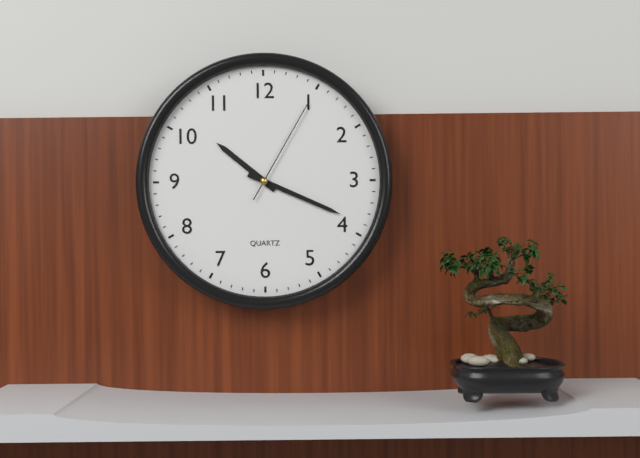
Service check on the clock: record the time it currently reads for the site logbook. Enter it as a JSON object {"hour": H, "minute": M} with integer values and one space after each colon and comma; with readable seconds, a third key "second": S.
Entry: {"hour": 10, "minute": 19, "second": 5}
